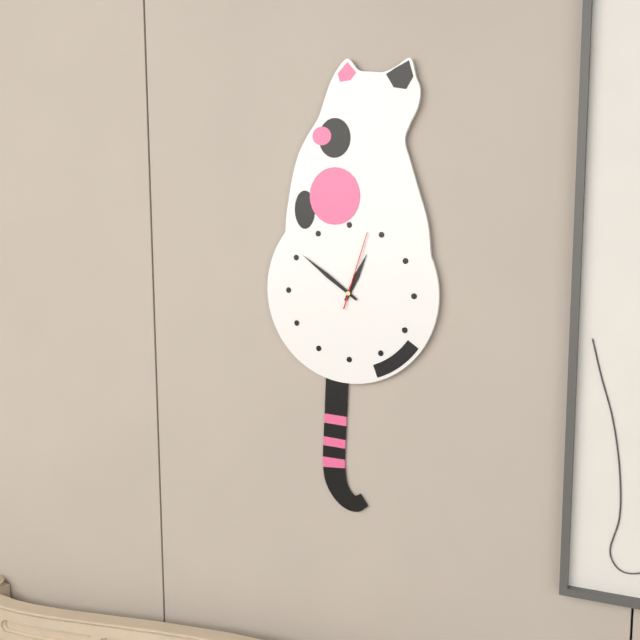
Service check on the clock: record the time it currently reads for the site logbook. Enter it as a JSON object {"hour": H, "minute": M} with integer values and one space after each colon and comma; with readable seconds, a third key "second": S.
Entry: {"hour": 12, "minute": 51, "second": 3}
